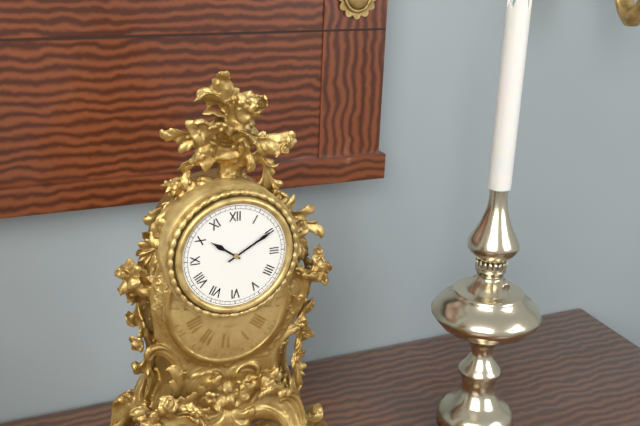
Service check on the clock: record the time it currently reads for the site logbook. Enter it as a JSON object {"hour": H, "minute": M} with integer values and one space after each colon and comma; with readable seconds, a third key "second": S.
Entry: {"hour": 10, "minute": 10}
